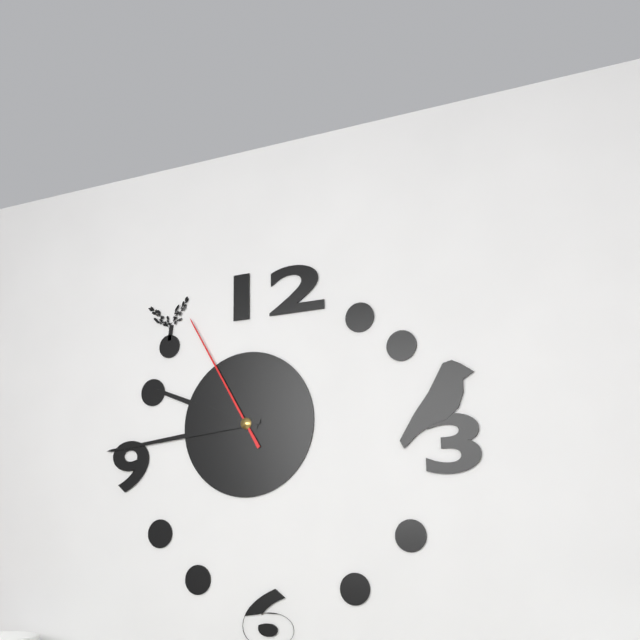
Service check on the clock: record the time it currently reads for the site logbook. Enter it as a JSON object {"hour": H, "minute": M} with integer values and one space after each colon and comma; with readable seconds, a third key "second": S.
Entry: {"hour": 9, "minute": 44, "second": 55}
